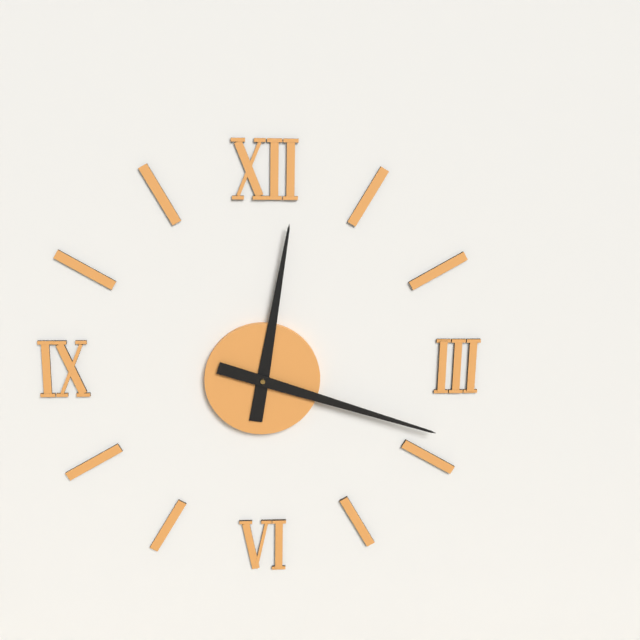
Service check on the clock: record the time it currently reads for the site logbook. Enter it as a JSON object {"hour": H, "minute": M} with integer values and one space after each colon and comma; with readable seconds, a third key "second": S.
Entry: {"hour": 12, "minute": 18}
